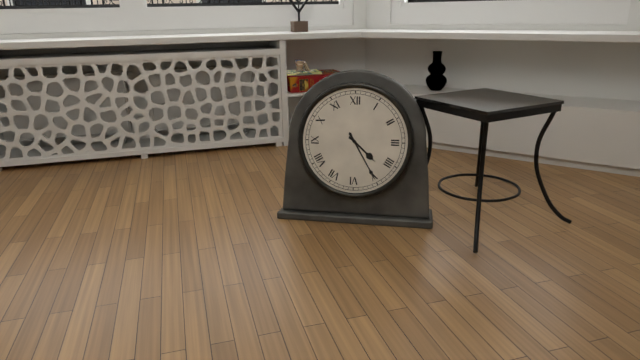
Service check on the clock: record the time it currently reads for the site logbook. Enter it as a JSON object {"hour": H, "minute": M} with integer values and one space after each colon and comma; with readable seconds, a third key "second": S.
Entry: {"hour": 4, "minute": 25}
